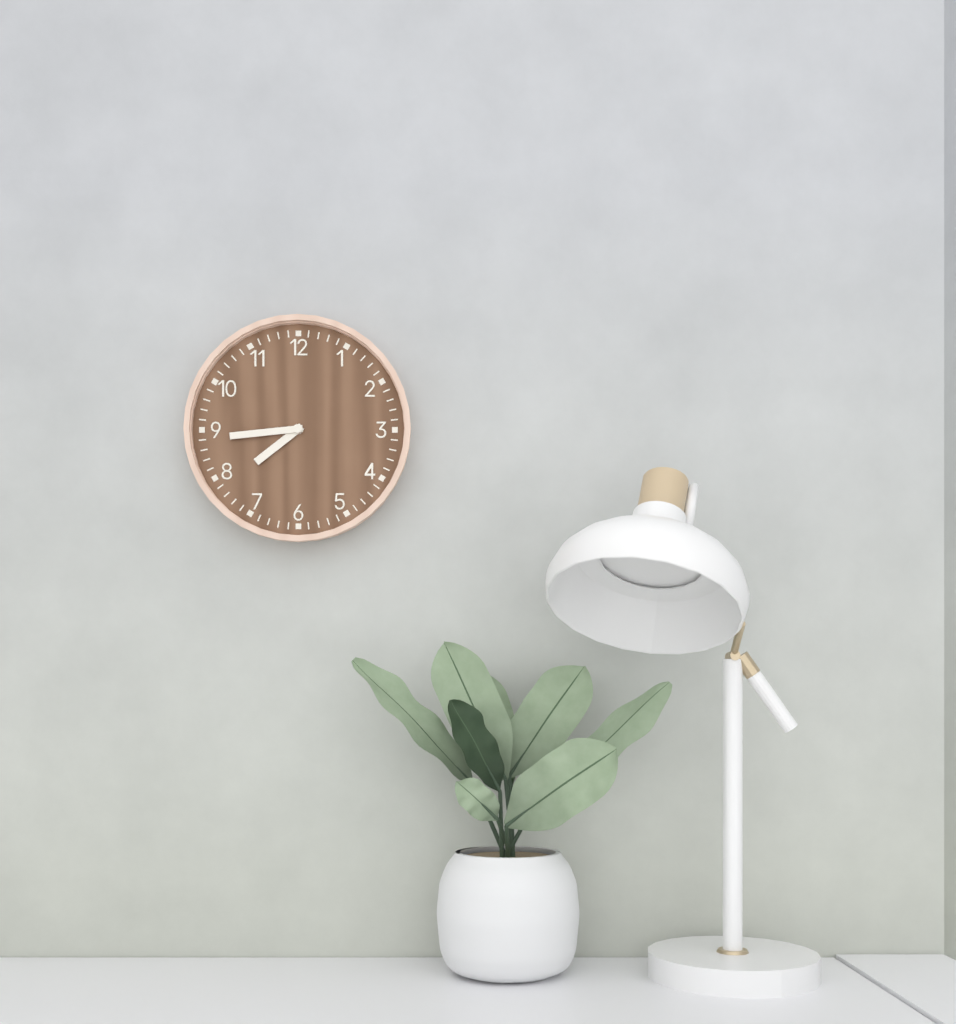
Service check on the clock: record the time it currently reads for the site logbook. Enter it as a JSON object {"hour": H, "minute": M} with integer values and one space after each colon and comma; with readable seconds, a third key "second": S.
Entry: {"hour": 7, "minute": 44}
